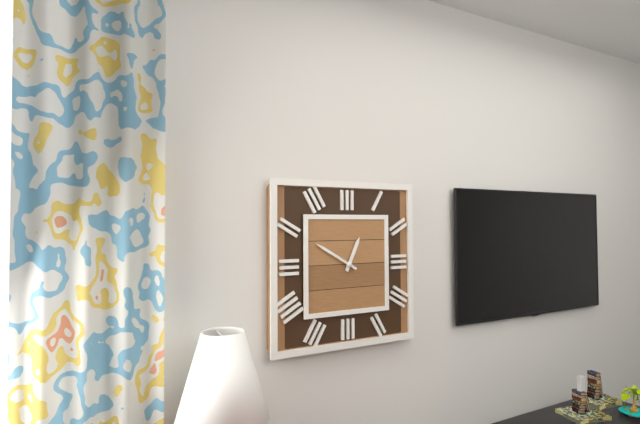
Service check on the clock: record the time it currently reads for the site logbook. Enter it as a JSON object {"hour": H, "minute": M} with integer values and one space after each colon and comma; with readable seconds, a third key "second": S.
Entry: {"hour": 12, "minute": 50}
